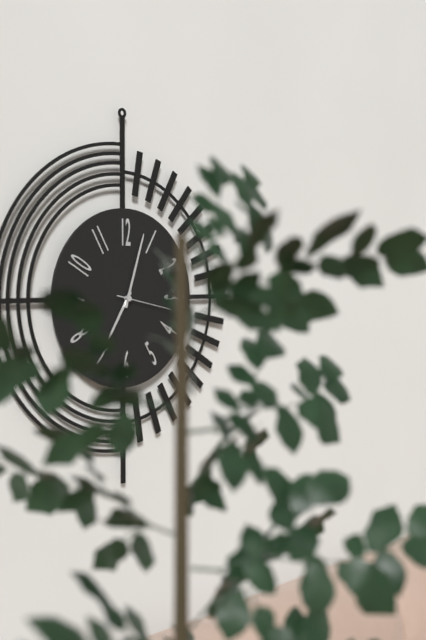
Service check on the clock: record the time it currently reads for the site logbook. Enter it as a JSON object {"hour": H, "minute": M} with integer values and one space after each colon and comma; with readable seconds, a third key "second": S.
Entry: {"hour": 7, "minute": 3, "second": 17}
